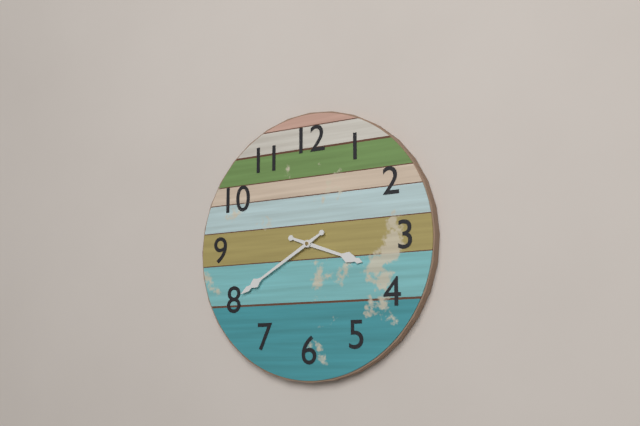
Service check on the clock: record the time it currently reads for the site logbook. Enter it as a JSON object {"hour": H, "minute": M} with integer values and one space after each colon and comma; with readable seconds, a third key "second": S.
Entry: {"hour": 3, "minute": 40}
